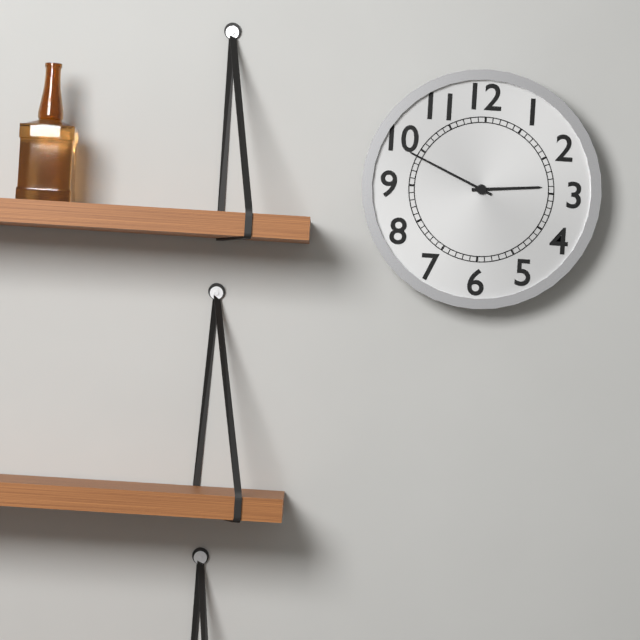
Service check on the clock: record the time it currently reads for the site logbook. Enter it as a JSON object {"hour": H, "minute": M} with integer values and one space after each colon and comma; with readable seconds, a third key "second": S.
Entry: {"hour": 2, "minute": 49}
